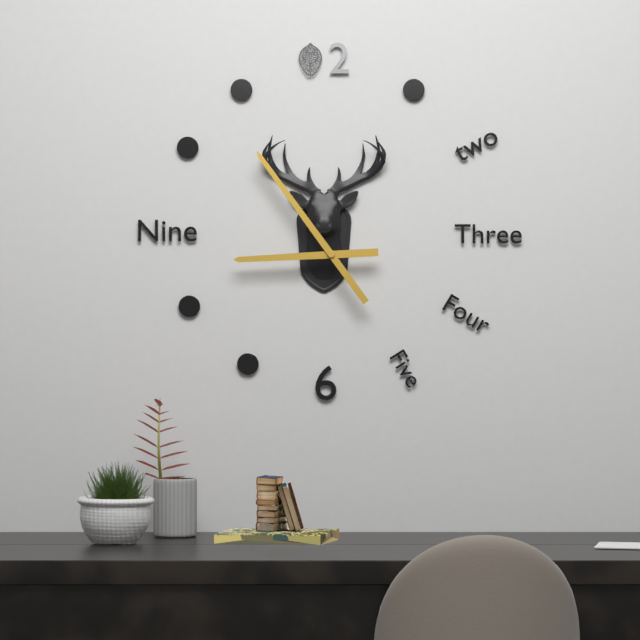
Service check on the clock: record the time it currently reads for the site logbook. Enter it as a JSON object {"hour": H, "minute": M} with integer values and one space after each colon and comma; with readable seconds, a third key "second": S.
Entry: {"hour": 8, "minute": 54}
